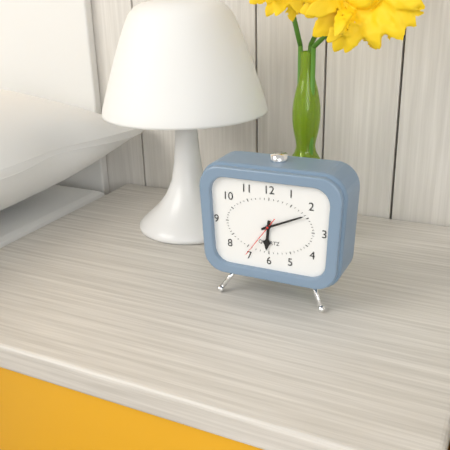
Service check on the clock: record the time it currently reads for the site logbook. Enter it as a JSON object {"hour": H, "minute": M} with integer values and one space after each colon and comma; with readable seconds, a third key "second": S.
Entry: {"hour": 6, "minute": 11}
